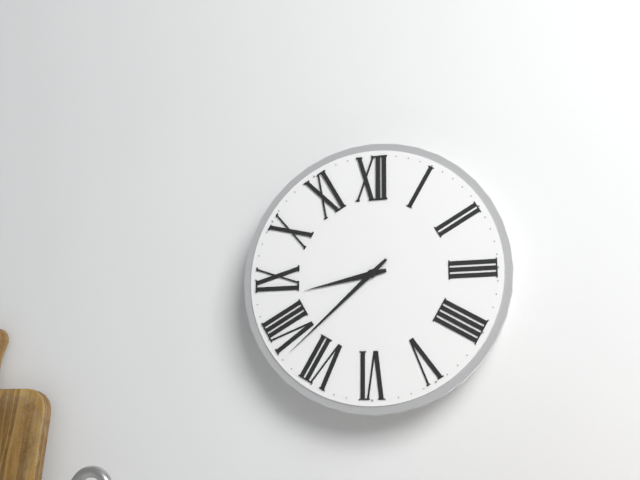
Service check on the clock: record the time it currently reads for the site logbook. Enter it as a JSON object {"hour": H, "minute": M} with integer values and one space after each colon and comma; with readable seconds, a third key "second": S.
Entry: {"hour": 8, "minute": 38}
